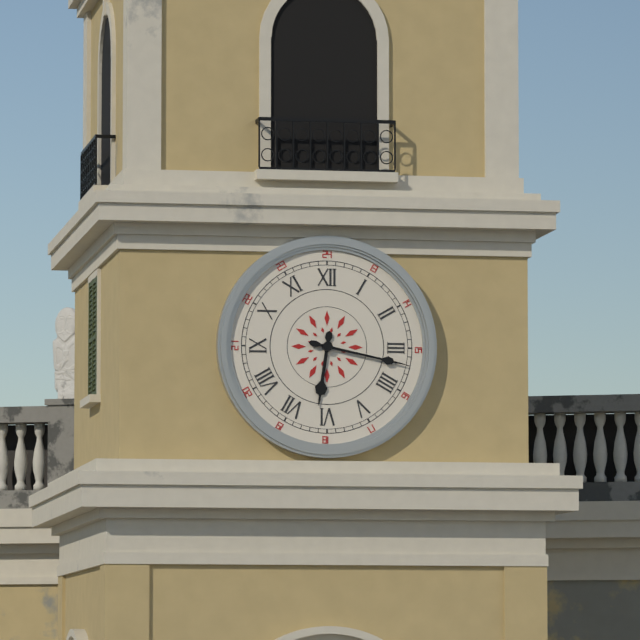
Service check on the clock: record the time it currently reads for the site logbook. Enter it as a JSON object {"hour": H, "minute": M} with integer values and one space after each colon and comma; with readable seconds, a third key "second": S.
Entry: {"hour": 6, "minute": 17}
